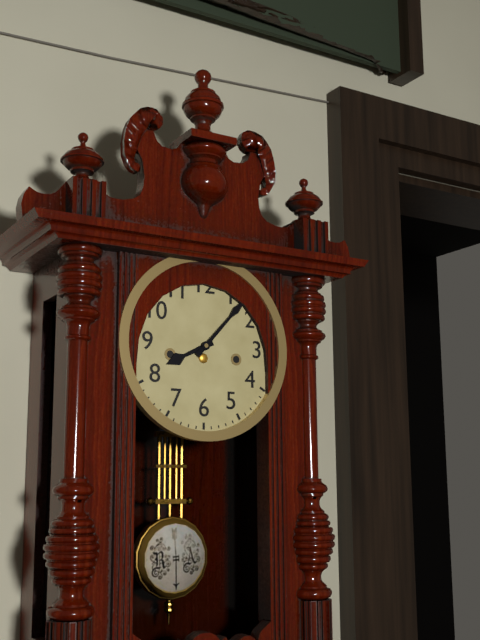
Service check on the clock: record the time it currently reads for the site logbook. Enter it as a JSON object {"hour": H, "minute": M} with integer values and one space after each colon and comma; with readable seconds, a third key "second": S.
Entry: {"hour": 8, "minute": 7}
